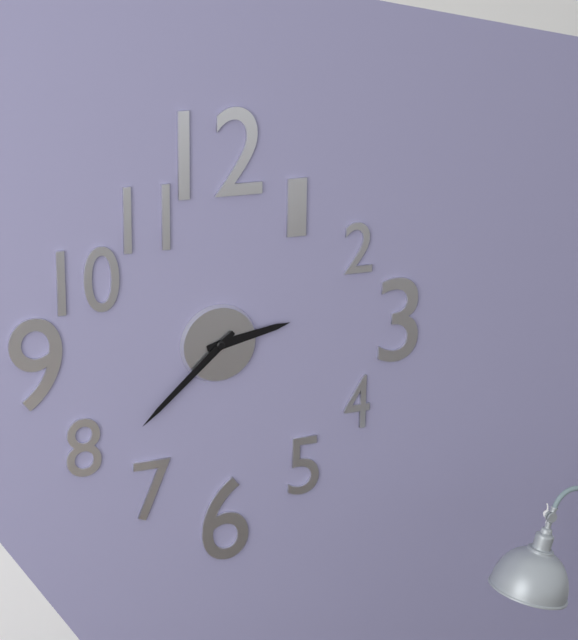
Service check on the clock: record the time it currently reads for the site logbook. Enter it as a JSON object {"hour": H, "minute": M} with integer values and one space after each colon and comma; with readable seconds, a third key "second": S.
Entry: {"hour": 2, "minute": 38}
